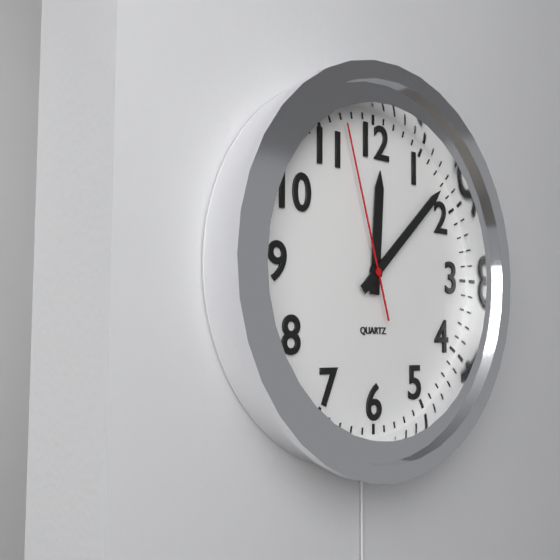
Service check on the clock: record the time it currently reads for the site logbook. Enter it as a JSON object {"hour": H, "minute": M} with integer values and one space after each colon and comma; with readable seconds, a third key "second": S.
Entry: {"hour": 12, "minute": 8, "second": 57}
